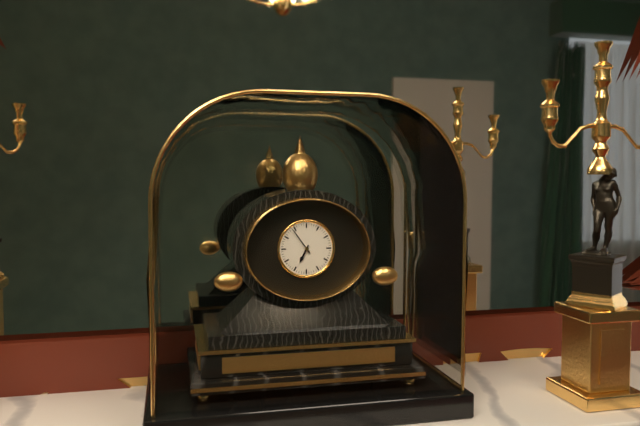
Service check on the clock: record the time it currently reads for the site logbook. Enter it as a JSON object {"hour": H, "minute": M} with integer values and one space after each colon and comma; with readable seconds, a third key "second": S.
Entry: {"hour": 6, "minute": 54}
